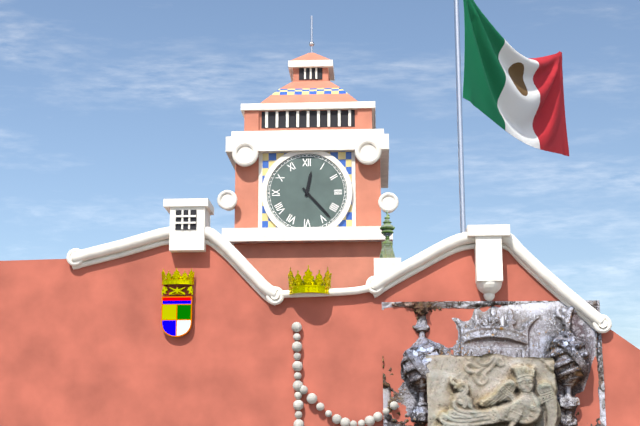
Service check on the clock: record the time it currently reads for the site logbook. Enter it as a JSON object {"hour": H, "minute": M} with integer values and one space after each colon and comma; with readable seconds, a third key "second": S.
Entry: {"hour": 12, "minute": 23}
